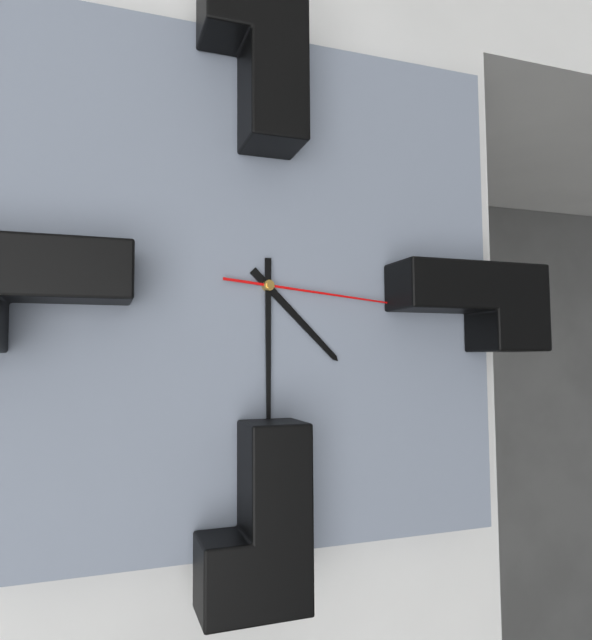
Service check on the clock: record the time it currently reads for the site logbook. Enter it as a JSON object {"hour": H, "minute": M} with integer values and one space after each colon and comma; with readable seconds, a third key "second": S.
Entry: {"hour": 4, "minute": 30, "second": 16}
